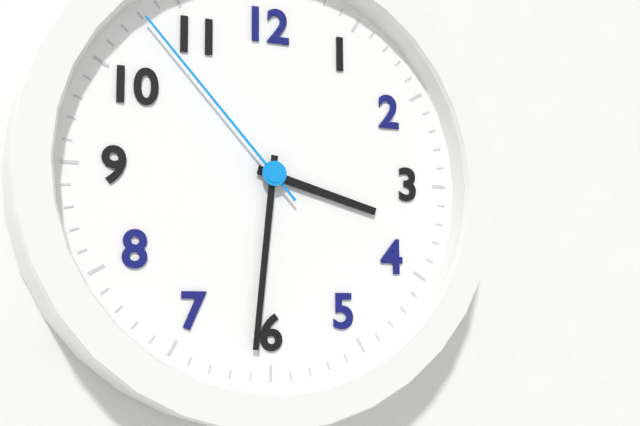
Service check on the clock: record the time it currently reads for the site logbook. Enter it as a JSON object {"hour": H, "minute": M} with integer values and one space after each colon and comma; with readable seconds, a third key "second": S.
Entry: {"hour": 3, "minute": 31, "second": 53}
